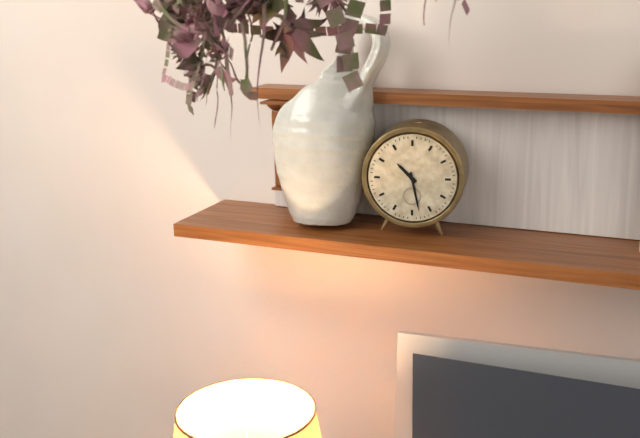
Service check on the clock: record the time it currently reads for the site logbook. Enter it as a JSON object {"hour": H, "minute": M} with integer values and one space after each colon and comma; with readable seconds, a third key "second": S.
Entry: {"hour": 10, "minute": 28}
